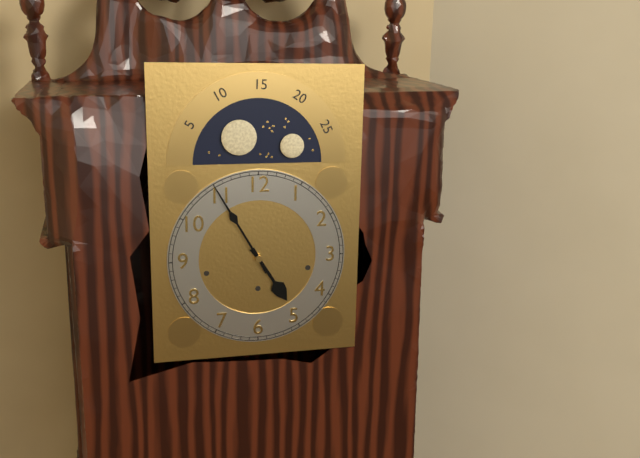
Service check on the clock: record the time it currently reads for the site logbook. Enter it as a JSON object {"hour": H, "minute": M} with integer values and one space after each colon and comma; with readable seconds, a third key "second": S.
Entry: {"hour": 4, "minute": 55}
